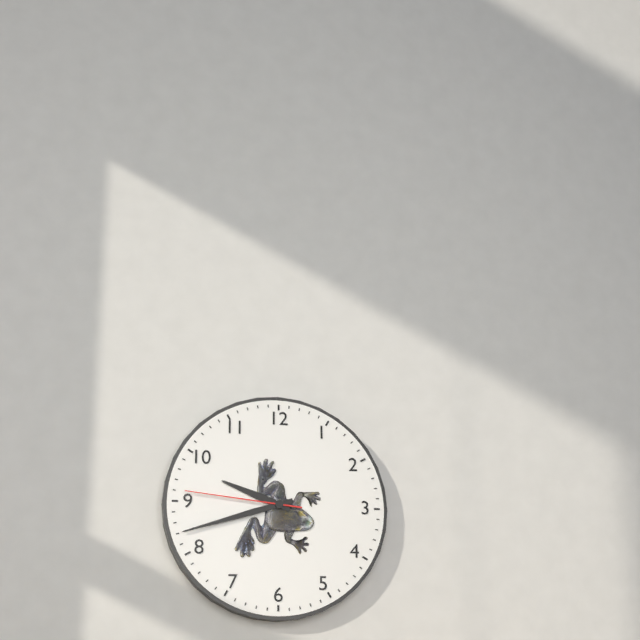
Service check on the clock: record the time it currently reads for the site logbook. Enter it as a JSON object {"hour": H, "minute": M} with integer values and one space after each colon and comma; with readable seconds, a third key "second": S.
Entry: {"hour": 9, "minute": 42, "second": 46}
